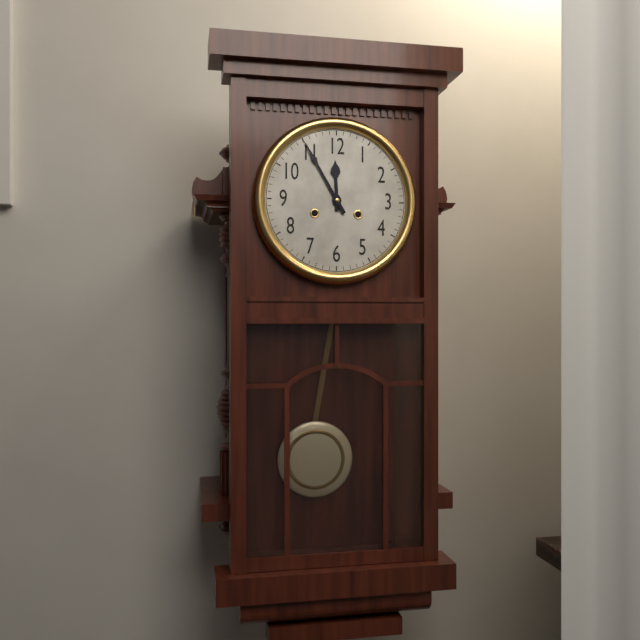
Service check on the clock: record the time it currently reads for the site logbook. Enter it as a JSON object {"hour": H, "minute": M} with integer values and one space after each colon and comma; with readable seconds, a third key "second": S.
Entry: {"hour": 11, "minute": 55}
